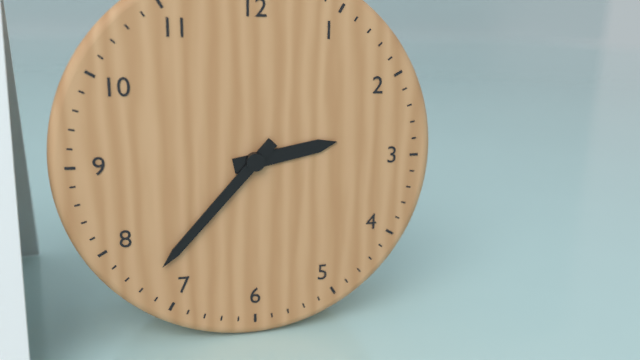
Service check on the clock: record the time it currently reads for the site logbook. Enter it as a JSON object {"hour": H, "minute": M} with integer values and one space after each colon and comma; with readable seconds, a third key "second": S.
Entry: {"hour": 2, "minute": 37}
